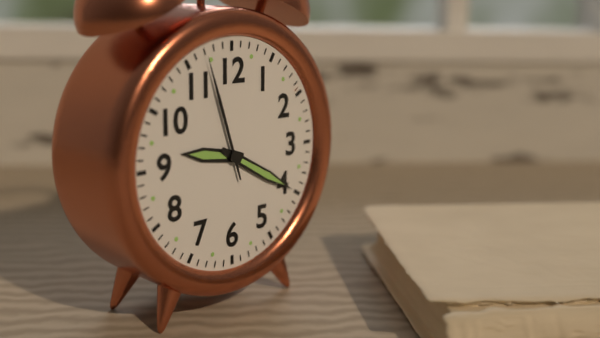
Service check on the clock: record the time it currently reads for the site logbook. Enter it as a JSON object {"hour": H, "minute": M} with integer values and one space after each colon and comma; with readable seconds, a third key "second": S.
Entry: {"hour": 9, "minute": 20, "second": 57}
